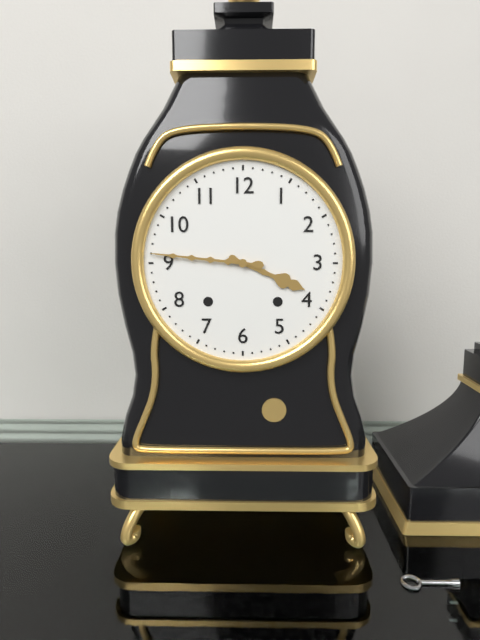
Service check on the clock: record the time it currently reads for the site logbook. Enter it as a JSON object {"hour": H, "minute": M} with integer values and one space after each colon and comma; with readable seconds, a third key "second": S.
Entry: {"hour": 3, "minute": 46}
